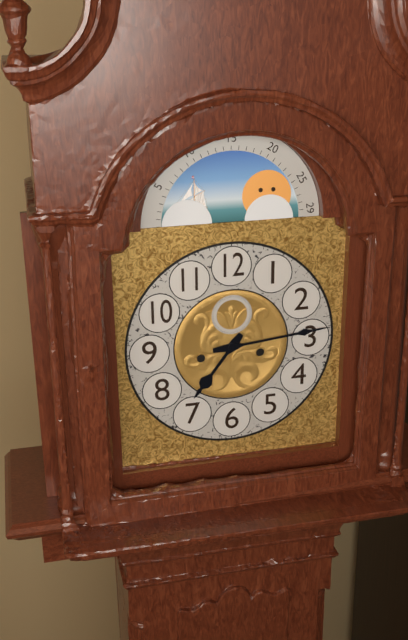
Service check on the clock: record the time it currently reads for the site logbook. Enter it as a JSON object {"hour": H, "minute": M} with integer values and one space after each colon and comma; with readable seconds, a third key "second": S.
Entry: {"hour": 7, "minute": 14}
